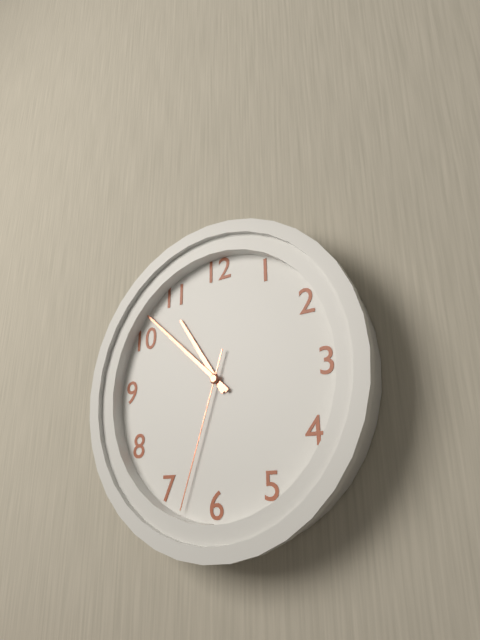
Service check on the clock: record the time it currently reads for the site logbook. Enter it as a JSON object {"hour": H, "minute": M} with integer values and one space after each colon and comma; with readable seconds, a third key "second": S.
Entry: {"hour": 10, "minute": 52, "second": 33}
